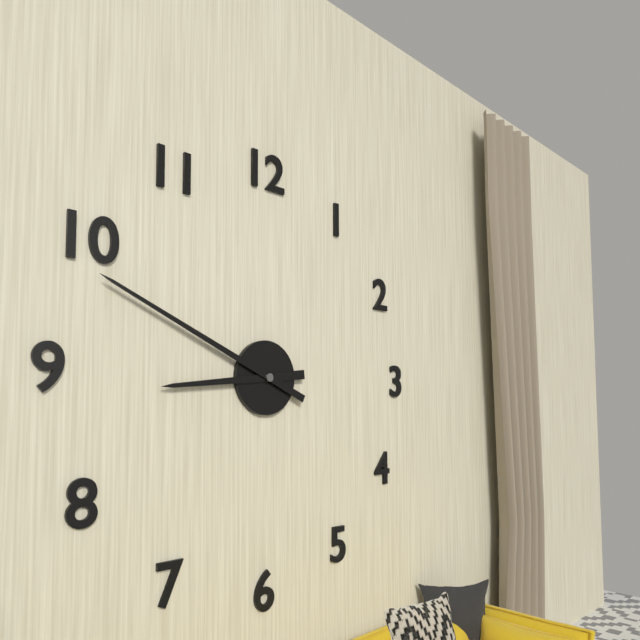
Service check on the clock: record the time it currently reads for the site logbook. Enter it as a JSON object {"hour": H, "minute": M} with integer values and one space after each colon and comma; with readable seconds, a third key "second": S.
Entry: {"hour": 8, "minute": 49}
